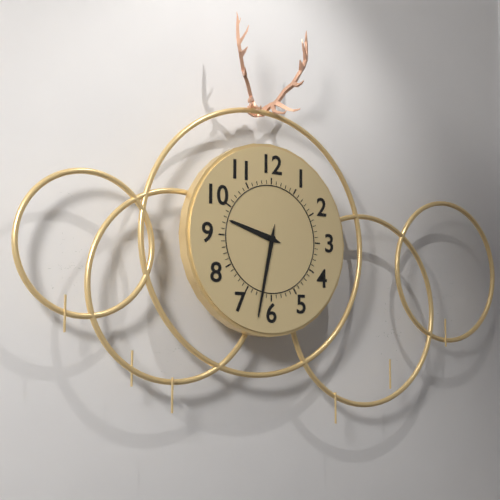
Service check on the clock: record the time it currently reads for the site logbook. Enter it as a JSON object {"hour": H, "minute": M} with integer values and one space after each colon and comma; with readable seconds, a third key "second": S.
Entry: {"hour": 9, "minute": 32}
